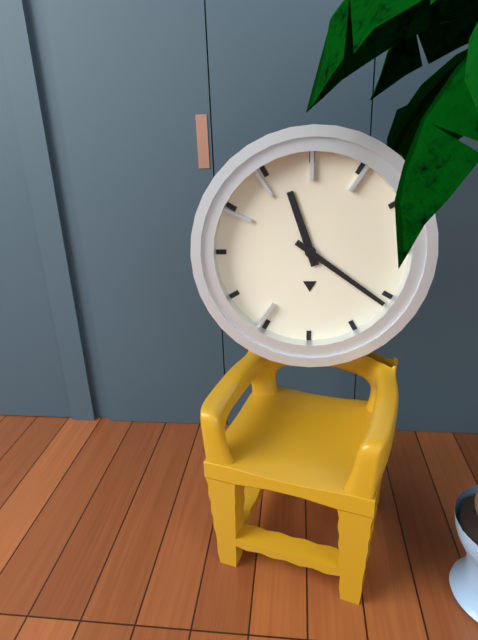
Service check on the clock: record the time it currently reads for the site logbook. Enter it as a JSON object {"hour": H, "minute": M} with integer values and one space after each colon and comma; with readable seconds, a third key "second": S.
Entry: {"hour": 11, "minute": 21}
